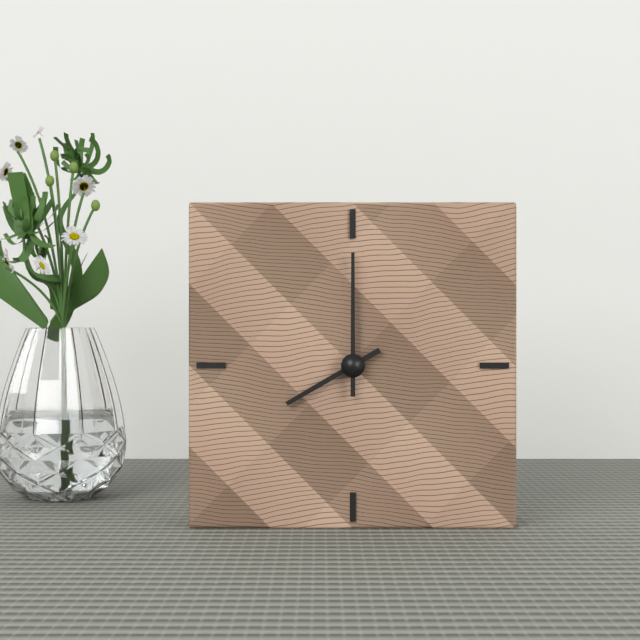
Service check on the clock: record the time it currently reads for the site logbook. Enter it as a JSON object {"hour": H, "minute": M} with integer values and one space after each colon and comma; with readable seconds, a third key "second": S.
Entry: {"hour": 8, "minute": 0}
